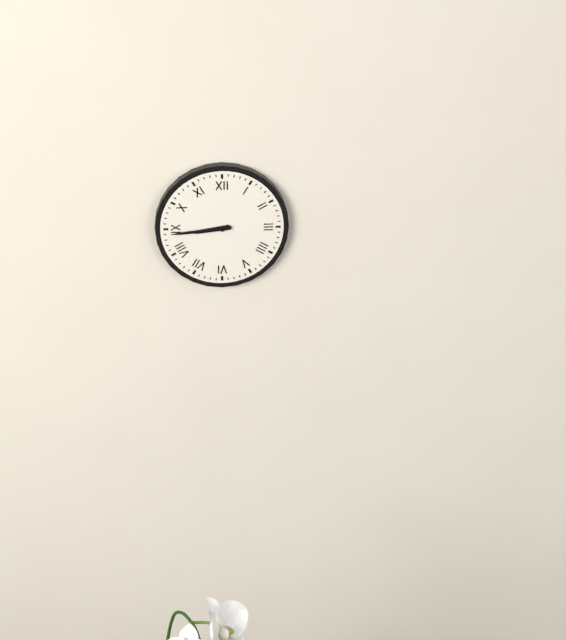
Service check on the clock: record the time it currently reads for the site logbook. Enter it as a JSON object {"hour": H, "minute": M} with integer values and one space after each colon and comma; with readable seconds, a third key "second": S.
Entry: {"hour": 8, "minute": 44}
